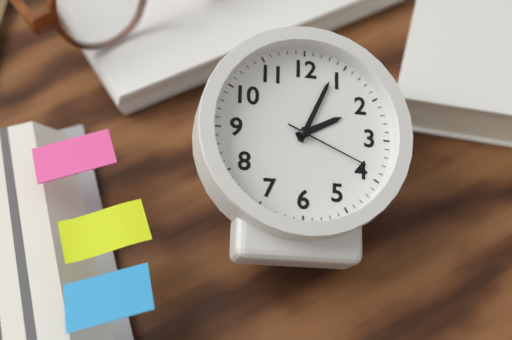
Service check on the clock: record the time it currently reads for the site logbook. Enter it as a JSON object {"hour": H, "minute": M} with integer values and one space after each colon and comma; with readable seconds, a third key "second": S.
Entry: {"hour": 2, "minute": 4, "second": 19}
